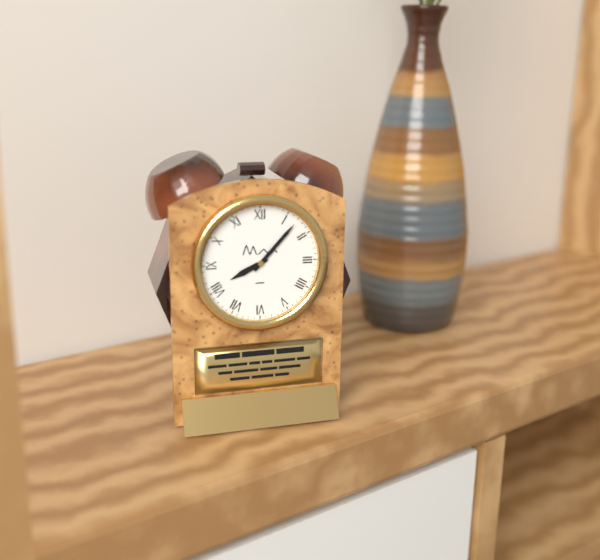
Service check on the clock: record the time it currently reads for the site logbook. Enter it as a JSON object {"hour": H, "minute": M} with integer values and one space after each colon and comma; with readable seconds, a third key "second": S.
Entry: {"hour": 8, "minute": 7}
